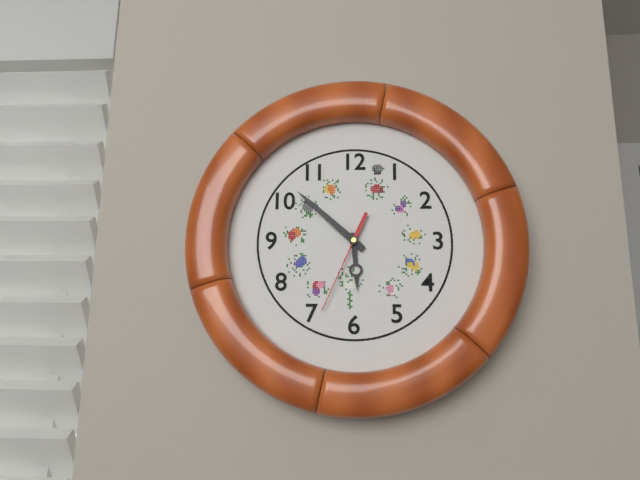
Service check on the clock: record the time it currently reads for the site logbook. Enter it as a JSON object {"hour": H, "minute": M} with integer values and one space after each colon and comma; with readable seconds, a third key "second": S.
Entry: {"hour": 5, "minute": 52, "second": 34}
